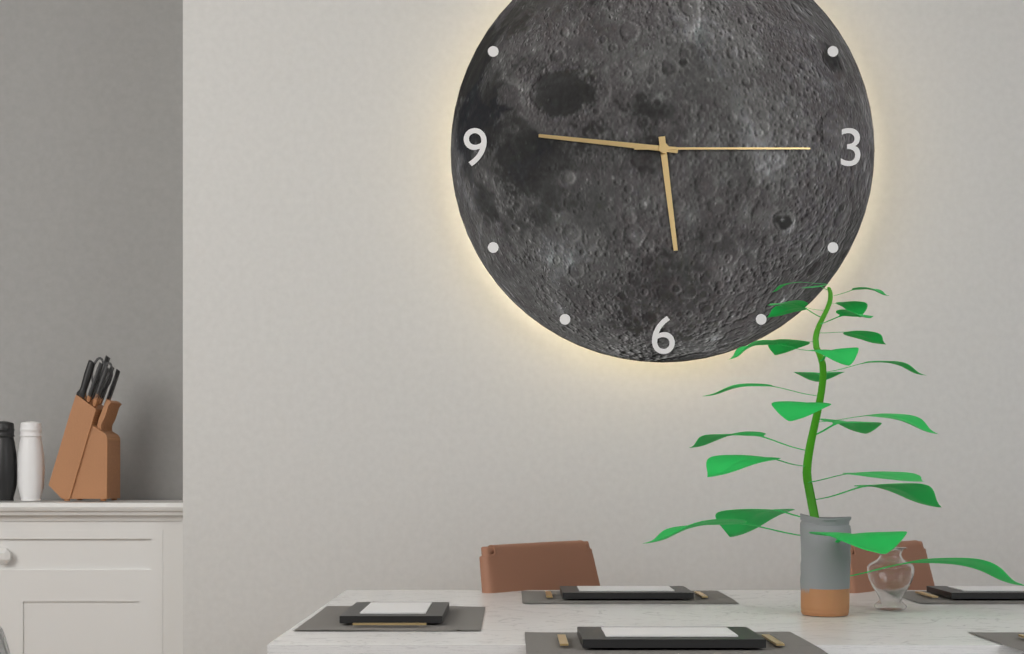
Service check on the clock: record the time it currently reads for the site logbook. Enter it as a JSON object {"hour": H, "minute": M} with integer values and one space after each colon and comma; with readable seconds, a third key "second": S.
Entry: {"hour": 5, "minute": 46, "second": 15}
